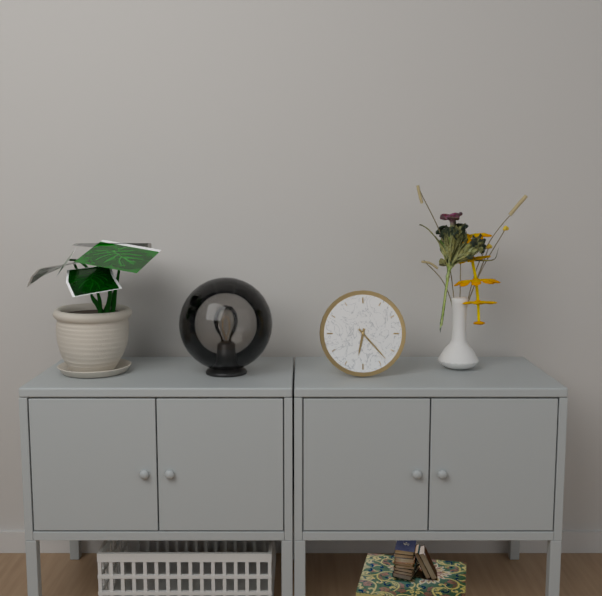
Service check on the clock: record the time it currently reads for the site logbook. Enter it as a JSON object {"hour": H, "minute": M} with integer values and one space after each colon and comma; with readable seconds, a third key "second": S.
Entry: {"hour": 6, "minute": 23}
